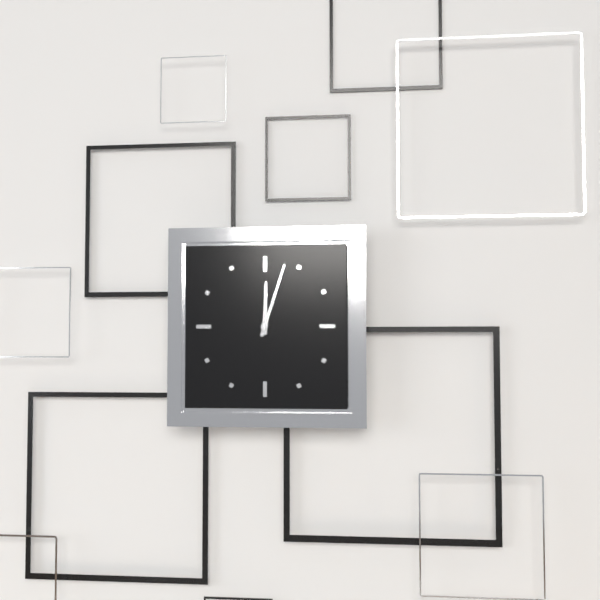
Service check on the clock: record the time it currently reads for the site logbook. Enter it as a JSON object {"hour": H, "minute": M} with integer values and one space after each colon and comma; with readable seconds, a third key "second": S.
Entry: {"hour": 12, "minute": 3}
